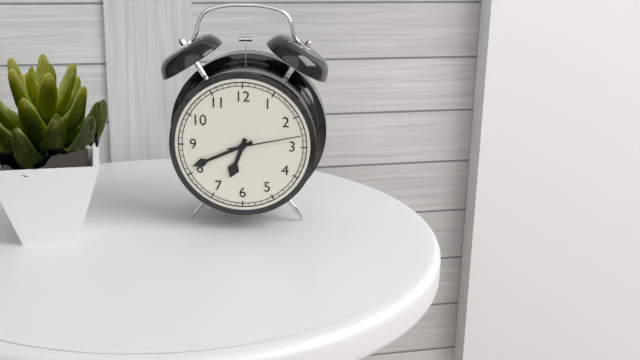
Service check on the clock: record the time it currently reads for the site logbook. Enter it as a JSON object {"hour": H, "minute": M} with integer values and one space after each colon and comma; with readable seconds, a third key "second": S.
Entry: {"hour": 6, "minute": 41, "second": 13}
